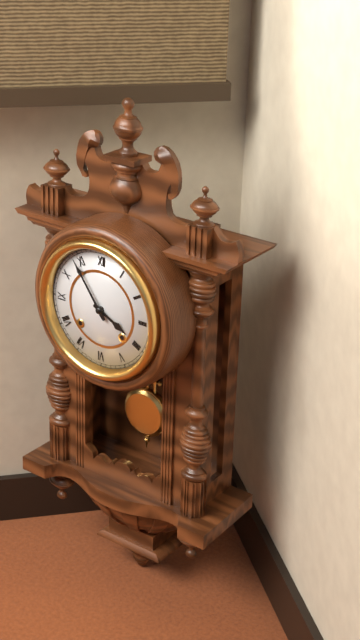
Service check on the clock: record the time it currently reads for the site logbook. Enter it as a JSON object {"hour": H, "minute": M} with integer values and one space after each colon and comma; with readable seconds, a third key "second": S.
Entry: {"hour": 3, "minute": 54}
